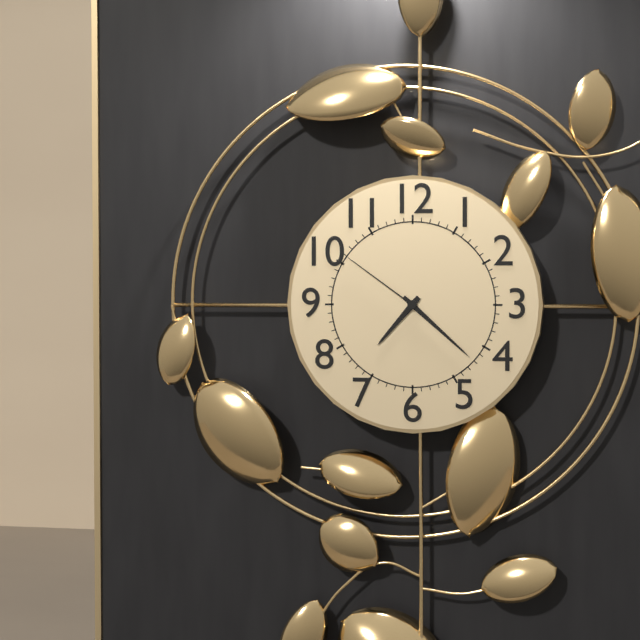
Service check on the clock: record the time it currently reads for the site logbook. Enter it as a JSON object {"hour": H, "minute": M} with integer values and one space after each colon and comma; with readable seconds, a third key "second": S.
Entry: {"hour": 7, "minute": 22, "second": 51}
